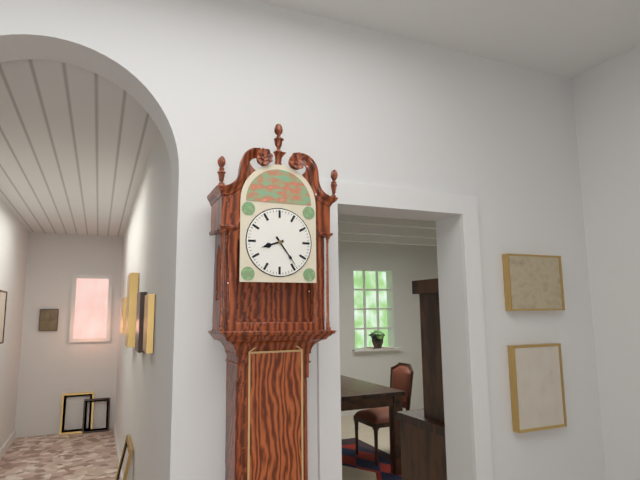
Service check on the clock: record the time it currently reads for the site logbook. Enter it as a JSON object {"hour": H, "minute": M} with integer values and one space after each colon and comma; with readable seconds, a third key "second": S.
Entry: {"hour": 8, "minute": 24}
